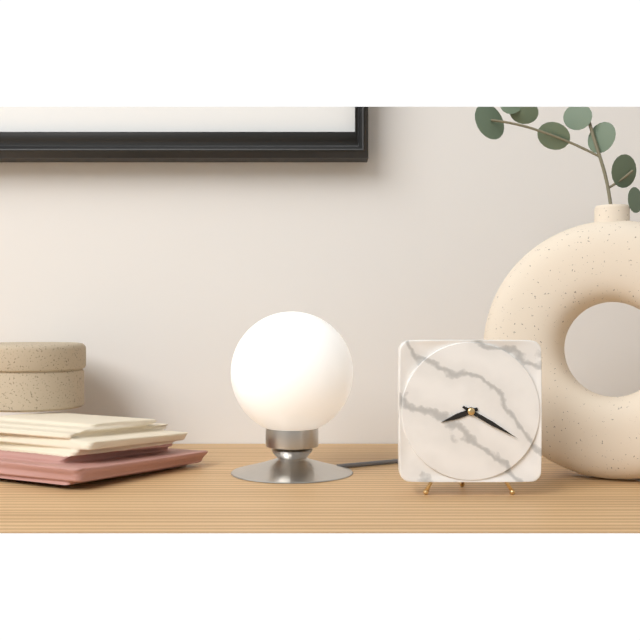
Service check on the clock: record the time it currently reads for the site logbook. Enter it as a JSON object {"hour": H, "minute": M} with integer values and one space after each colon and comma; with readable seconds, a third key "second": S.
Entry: {"hour": 8, "minute": 20}
